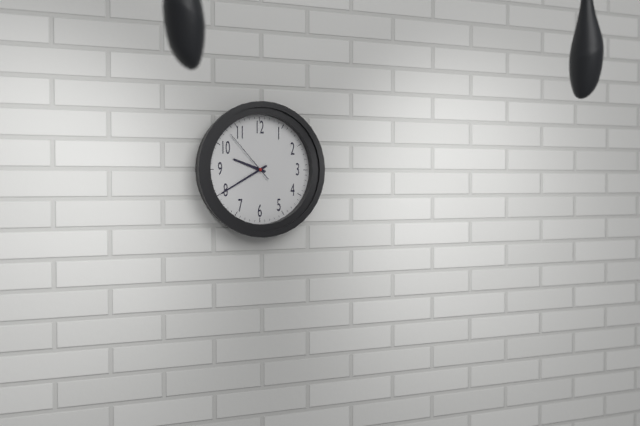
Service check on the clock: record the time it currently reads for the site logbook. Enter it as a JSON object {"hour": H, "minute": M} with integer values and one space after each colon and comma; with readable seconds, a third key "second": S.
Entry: {"hour": 9, "minute": 40, "second": 53}
